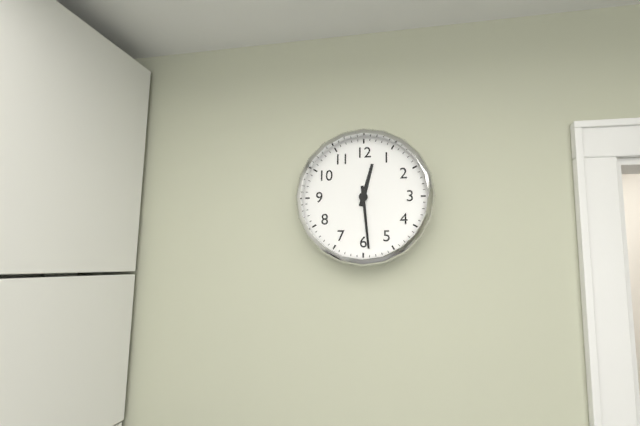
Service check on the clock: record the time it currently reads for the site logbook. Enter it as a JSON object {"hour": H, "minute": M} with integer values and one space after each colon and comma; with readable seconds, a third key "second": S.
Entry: {"hour": 12, "minute": 29}
